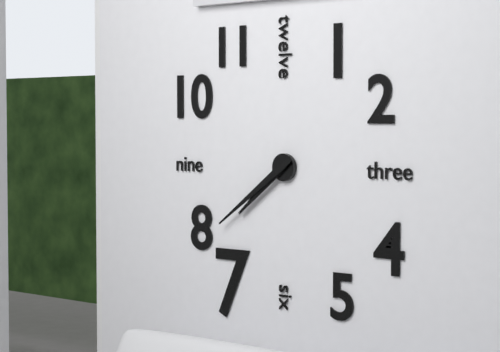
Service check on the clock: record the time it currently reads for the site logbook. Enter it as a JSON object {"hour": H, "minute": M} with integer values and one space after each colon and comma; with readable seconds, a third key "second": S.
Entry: {"hour": 7, "minute": 39}
